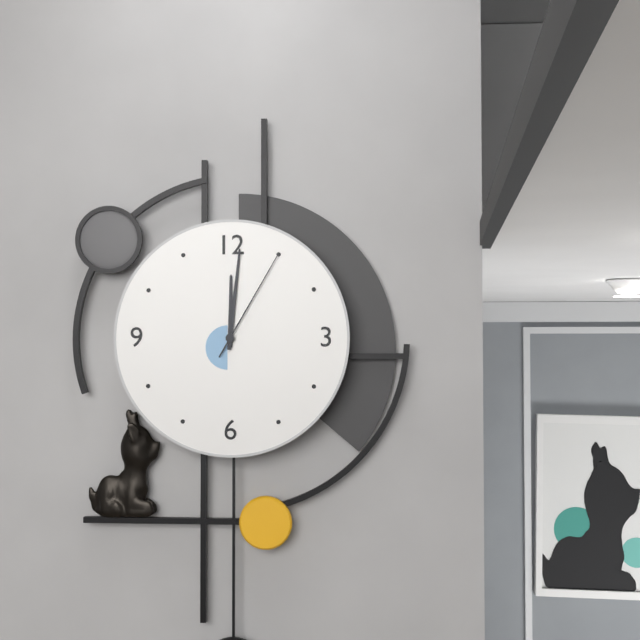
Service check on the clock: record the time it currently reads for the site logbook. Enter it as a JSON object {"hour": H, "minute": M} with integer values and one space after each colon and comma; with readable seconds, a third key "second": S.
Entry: {"hour": 12, "minute": 1, "second": 5}
